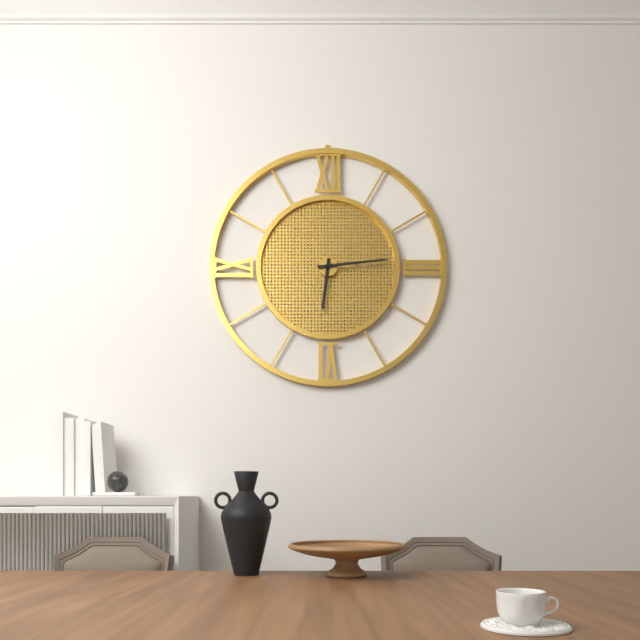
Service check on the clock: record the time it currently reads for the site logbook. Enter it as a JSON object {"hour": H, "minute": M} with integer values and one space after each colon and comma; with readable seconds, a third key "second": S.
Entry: {"hour": 6, "minute": 14}
